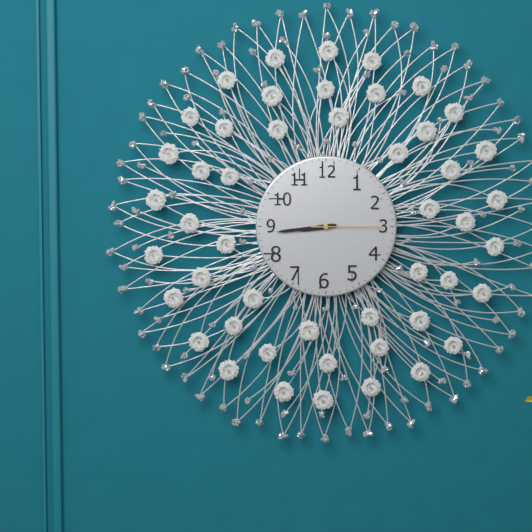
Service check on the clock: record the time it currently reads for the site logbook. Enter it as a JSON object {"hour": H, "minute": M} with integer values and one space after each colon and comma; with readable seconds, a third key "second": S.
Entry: {"hour": 8, "minute": 44, "second": 15}
